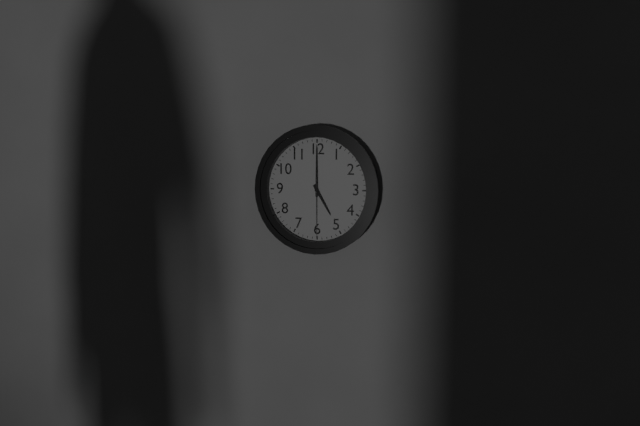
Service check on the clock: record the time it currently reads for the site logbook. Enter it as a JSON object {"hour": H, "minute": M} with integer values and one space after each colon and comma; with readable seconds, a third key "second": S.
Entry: {"hour": 5, "minute": 0, "second": 30}
